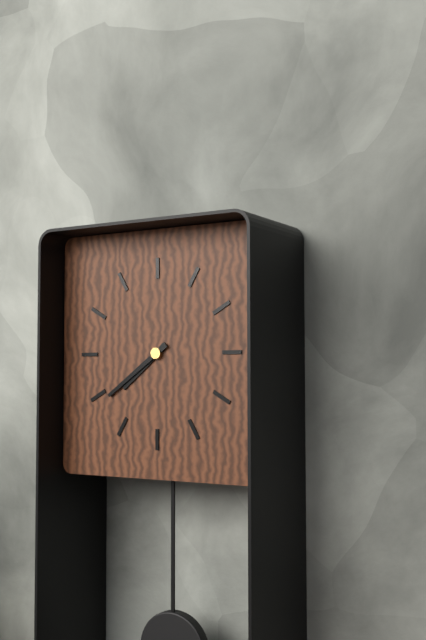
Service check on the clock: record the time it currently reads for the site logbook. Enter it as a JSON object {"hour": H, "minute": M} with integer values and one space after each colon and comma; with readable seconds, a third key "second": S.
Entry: {"hour": 7, "minute": 39}
